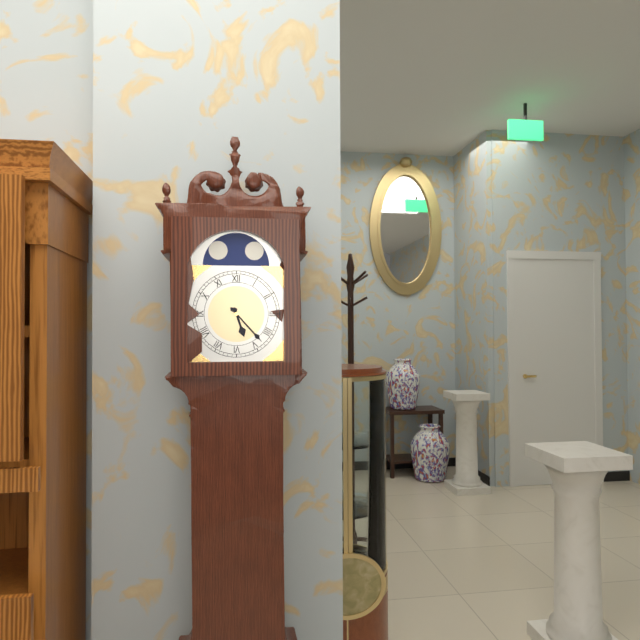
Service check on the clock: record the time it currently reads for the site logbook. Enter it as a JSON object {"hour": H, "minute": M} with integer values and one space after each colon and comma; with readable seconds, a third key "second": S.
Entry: {"hour": 5, "minute": 23}
